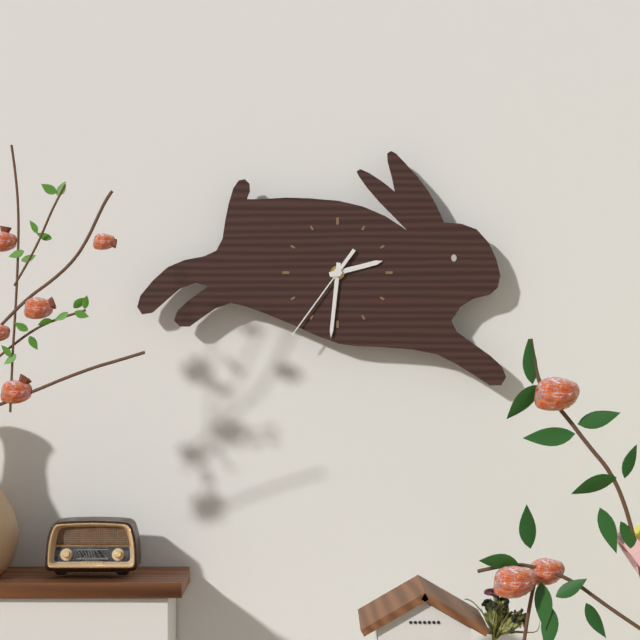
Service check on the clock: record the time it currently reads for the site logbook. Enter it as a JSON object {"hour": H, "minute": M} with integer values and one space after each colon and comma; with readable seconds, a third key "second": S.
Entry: {"hour": 2, "minute": 31, "second": 36}
